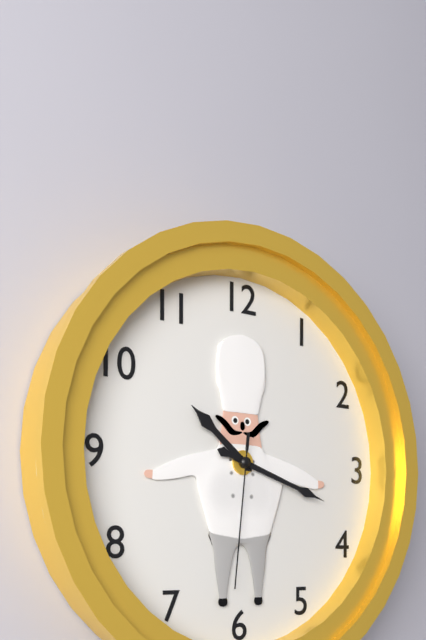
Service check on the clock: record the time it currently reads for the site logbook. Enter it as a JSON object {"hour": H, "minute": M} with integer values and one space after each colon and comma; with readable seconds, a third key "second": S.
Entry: {"hour": 10, "minute": 18, "second": 31}
